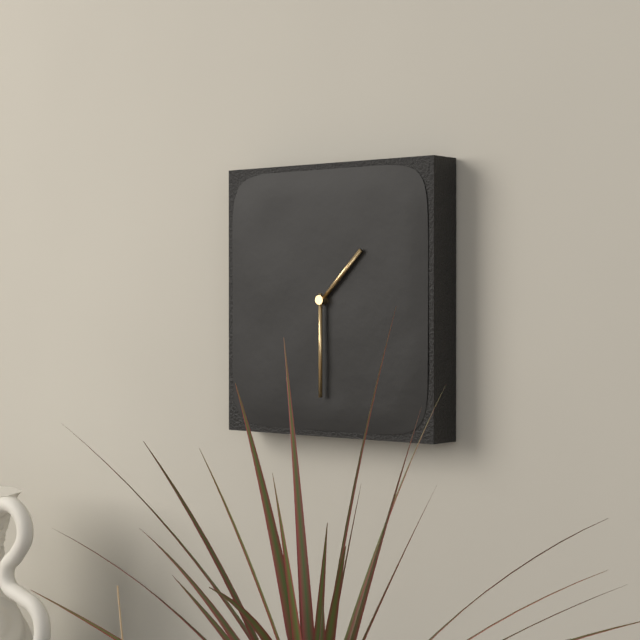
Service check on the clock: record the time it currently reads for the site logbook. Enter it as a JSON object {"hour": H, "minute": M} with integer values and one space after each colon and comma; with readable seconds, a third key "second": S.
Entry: {"hour": 1, "minute": 30}
